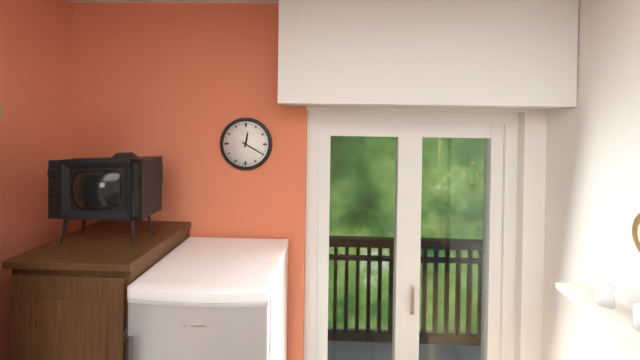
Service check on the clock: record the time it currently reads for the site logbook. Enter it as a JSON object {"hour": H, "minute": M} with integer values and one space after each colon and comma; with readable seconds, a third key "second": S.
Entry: {"hour": 12, "minute": 20}
